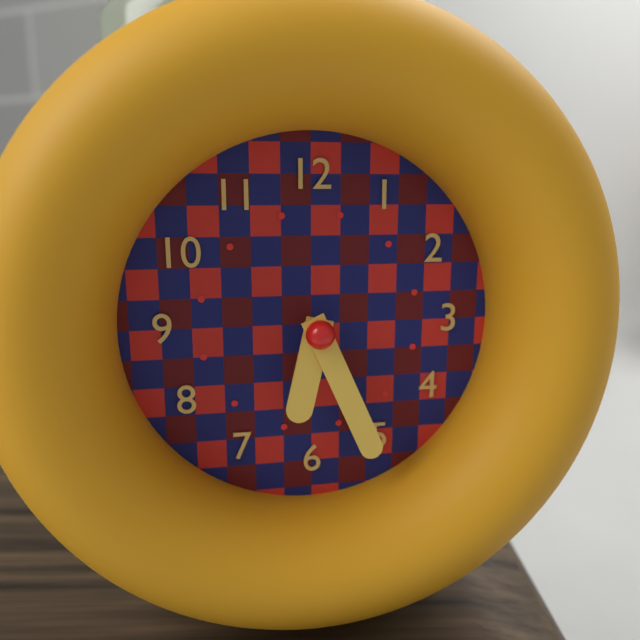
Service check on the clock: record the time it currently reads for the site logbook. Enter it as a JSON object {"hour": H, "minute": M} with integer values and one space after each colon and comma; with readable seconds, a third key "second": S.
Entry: {"hour": 6, "minute": 26}
